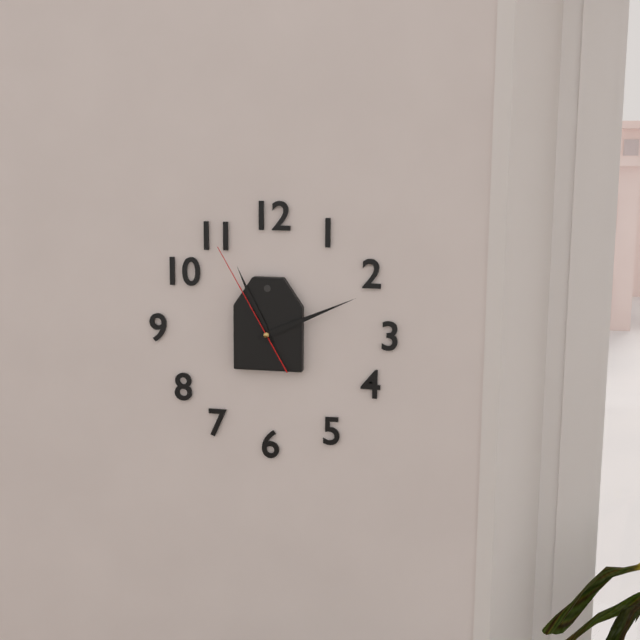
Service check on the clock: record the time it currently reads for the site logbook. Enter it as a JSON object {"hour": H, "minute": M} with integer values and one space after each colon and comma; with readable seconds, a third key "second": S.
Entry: {"hour": 11, "minute": 11, "second": 55}
